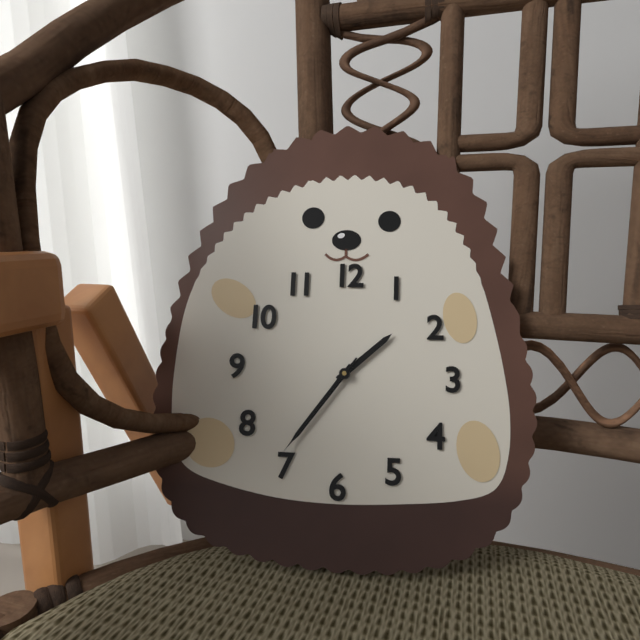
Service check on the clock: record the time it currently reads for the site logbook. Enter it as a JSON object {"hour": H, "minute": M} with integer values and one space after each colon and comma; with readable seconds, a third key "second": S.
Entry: {"hour": 1, "minute": 36, "second": 36}
